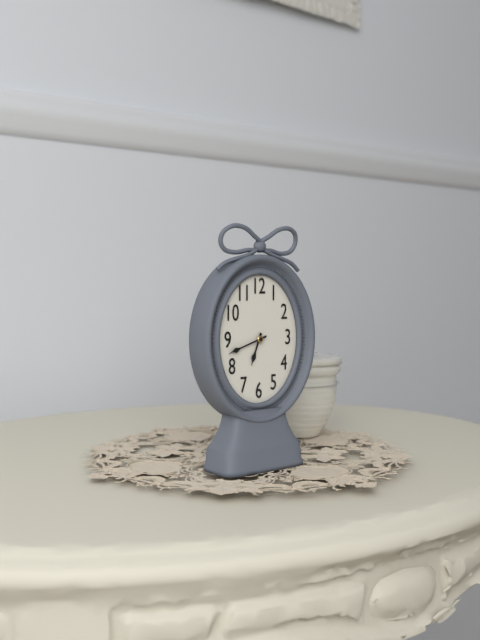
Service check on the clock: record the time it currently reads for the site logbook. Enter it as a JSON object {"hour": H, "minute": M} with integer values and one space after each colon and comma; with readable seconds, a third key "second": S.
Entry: {"hour": 6, "minute": 42}
